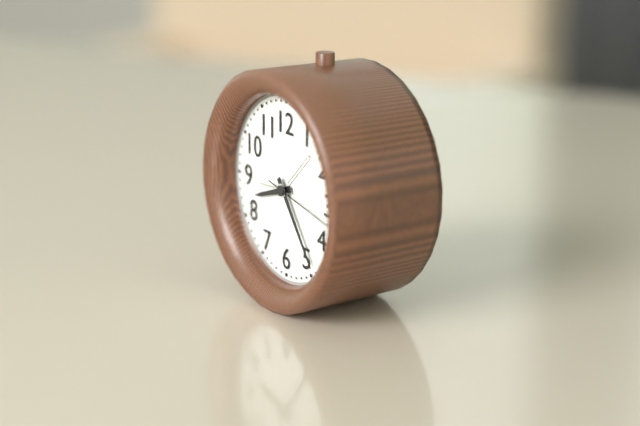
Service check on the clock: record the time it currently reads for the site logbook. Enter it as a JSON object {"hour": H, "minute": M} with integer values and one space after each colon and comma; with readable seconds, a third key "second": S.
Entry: {"hour": 8, "minute": 24, "second": 17}
